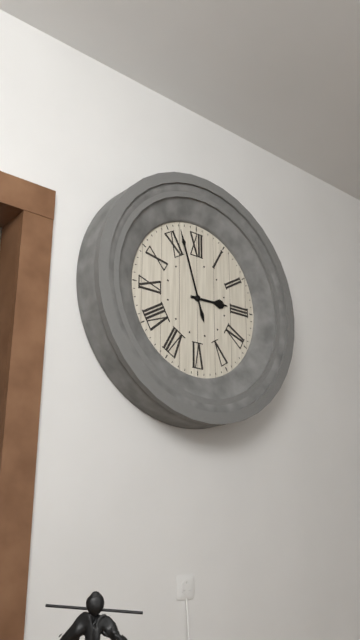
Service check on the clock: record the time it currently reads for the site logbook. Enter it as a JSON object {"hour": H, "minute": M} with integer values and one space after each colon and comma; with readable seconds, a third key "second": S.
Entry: {"hour": 2, "minute": 57}
